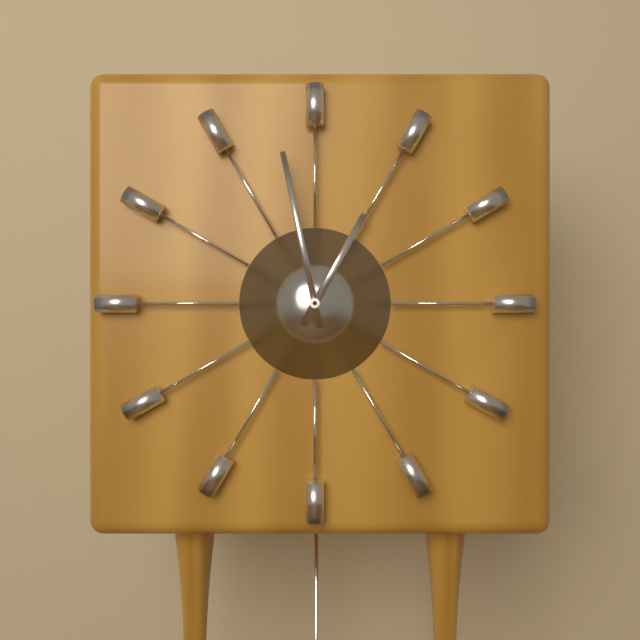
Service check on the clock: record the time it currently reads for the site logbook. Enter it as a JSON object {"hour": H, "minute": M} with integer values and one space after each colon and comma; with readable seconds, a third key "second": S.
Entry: {"hour": 12, "minute": 58}
